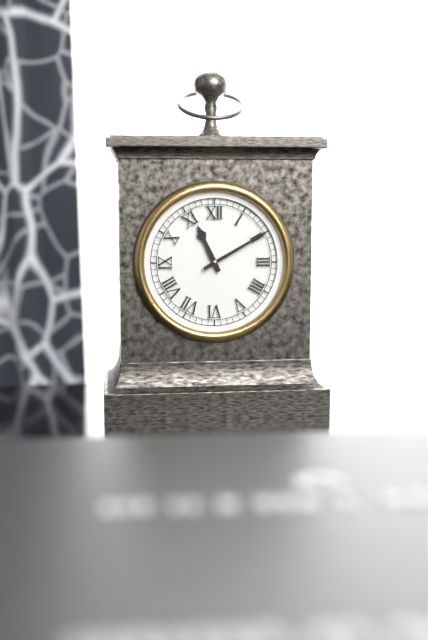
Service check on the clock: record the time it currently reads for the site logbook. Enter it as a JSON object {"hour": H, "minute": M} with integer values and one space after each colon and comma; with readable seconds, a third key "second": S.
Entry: {"hour": 11, "minute": 10}
